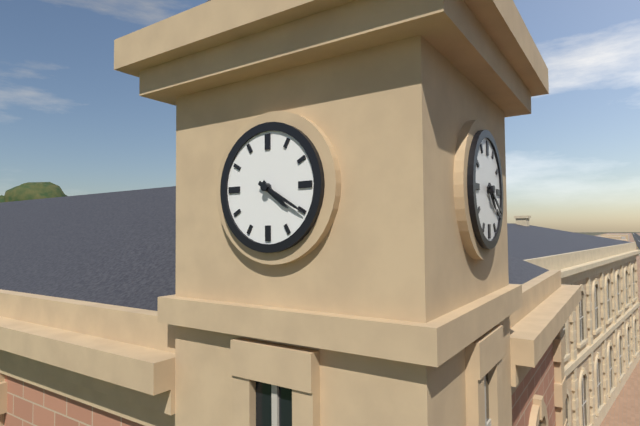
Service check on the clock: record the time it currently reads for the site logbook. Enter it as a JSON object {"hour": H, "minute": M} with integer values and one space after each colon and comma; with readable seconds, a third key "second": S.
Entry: {"hour": 4, "minute": 20}
